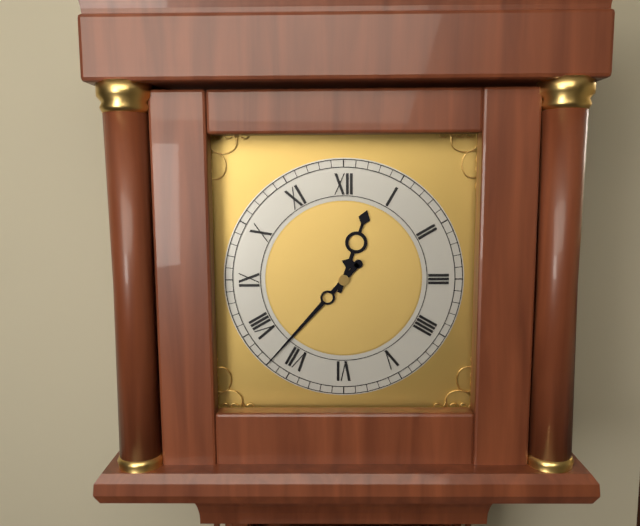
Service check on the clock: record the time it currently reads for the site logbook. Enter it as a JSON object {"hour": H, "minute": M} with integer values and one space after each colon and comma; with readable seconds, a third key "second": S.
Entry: {"hour": 12, "minute": 37}
